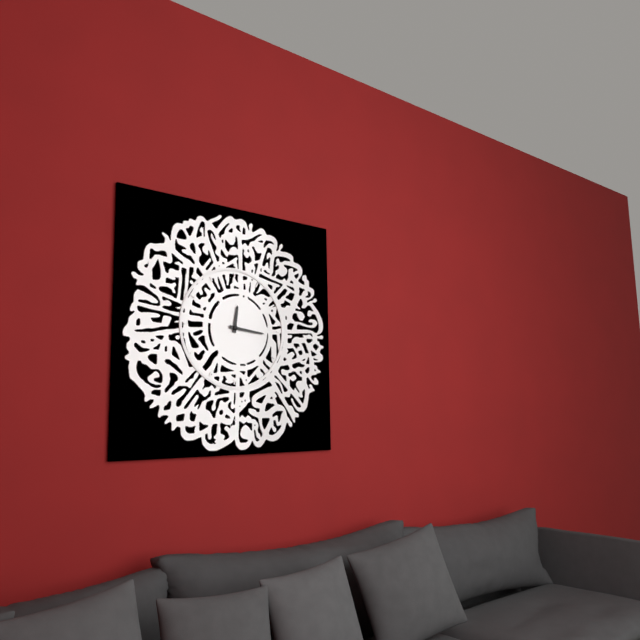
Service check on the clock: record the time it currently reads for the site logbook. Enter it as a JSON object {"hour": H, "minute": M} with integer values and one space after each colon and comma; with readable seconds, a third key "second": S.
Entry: {"hour": 12, "minute": 16}
